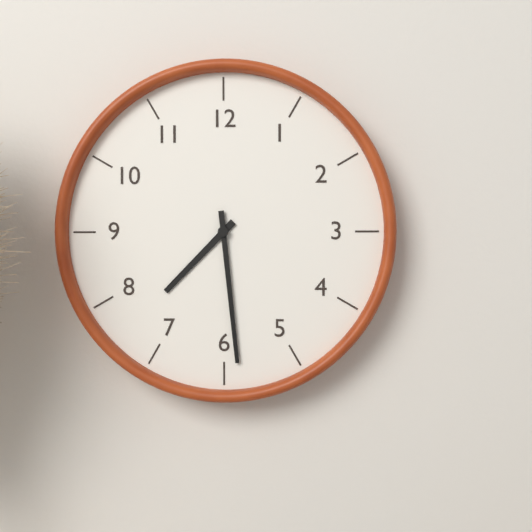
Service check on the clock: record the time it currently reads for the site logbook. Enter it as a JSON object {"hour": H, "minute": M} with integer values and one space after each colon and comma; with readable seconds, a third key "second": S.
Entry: {"hour": 7, "minute": 29}
